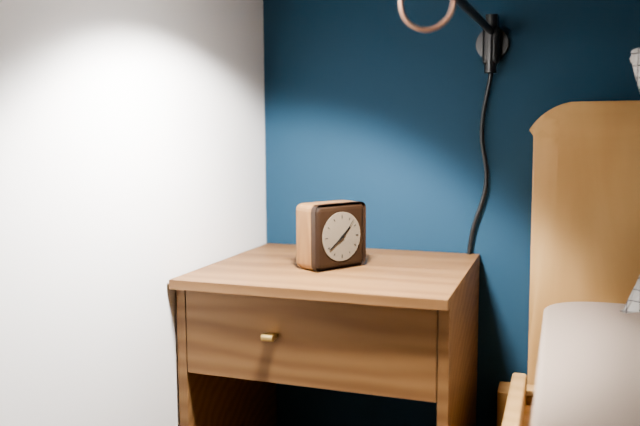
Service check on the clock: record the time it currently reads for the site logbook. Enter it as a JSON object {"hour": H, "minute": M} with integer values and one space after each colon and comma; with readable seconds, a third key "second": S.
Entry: {"hour": 1, "minute": 39}
